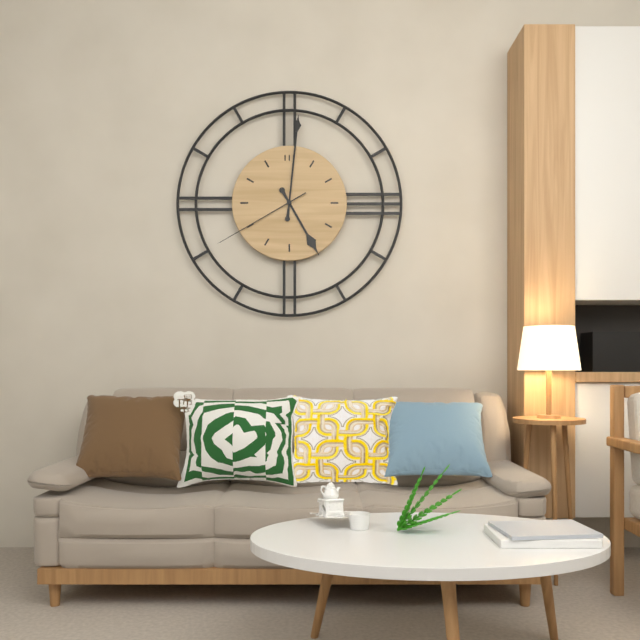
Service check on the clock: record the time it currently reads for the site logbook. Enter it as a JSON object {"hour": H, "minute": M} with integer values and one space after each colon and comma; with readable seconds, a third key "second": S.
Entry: {"hour": 5, "minute": 1, "second": 40}
